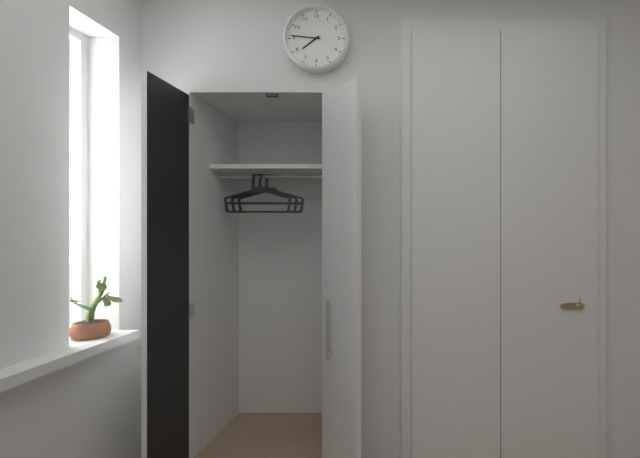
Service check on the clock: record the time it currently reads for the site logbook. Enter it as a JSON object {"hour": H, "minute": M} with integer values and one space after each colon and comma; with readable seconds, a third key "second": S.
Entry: {"hour": 7, "minute": 46}
